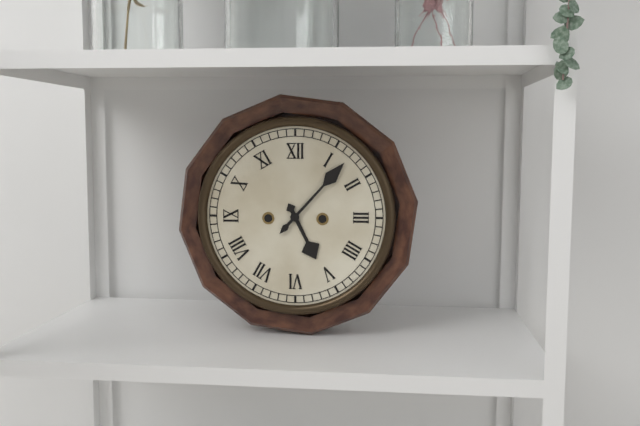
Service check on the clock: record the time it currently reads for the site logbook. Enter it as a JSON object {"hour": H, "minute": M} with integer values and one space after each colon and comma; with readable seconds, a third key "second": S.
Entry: {"hour": 5, "minute": 7}
